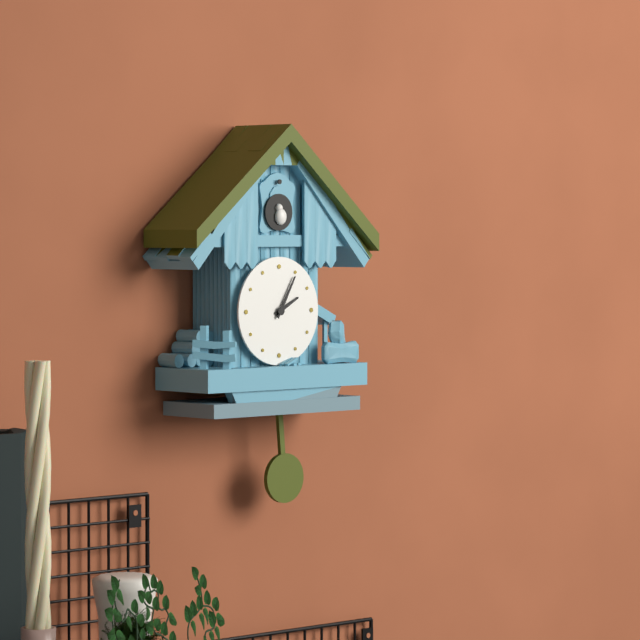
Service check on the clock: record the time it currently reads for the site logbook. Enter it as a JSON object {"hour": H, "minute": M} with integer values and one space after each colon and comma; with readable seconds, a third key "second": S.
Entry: {"hour": 2, "minute": 5}
